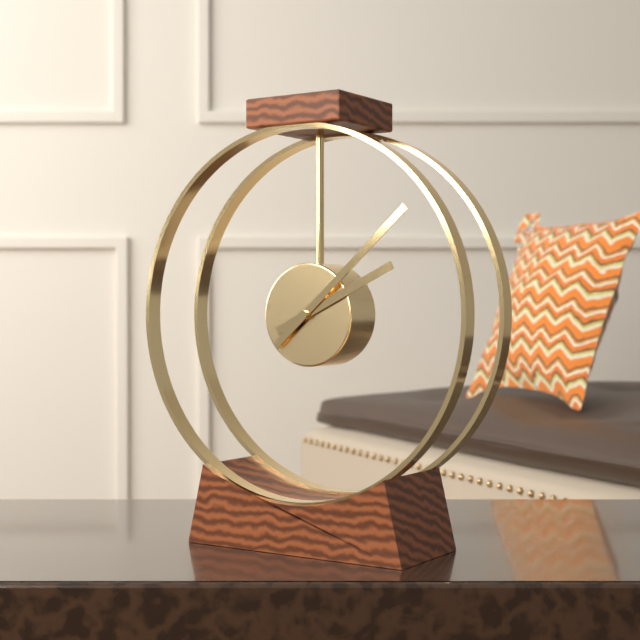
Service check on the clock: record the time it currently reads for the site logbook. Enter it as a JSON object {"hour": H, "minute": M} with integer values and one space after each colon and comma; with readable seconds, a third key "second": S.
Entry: {"hour": 2, "minute": 8}
